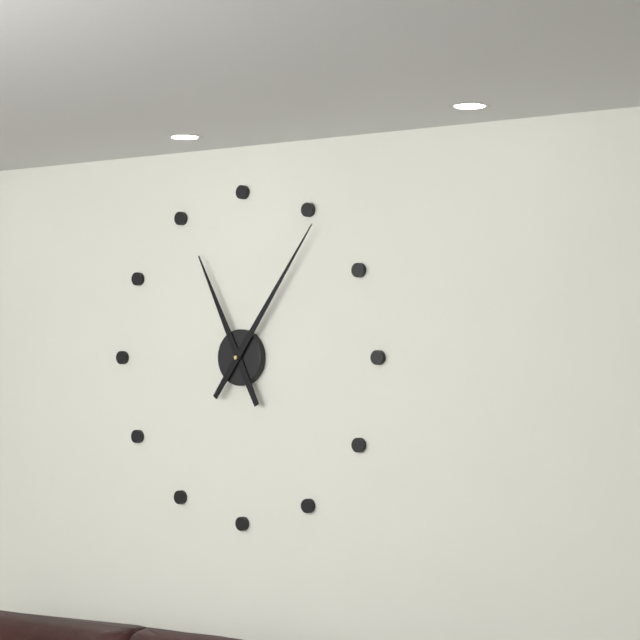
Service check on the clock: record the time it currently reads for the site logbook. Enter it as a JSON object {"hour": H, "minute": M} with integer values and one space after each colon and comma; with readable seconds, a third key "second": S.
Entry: {"hour": 11, "minute": 6}
